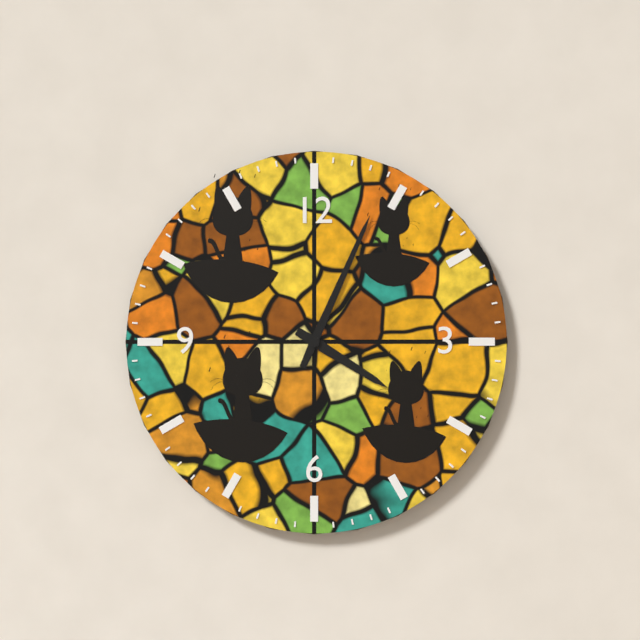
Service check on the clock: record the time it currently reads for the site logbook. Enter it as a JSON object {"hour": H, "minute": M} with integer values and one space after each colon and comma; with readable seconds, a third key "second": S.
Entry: {"hour": 4, "minute": 4}
